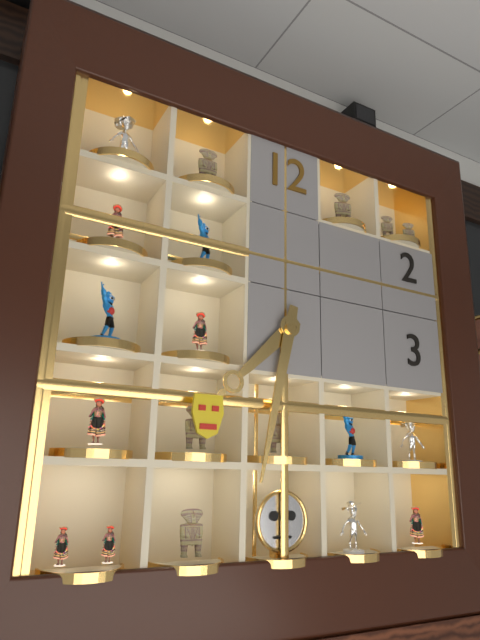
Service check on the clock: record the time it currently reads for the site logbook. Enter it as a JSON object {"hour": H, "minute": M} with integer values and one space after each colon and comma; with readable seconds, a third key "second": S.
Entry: {"hour": 7, "minute": 32}
